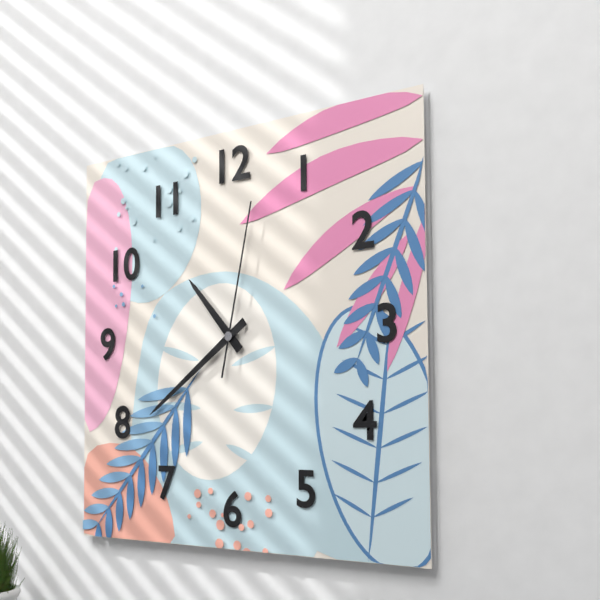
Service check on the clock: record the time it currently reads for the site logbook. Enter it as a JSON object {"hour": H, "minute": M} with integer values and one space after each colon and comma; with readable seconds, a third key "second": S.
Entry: {"hour": 10, "minute": 39, "second": 2}
